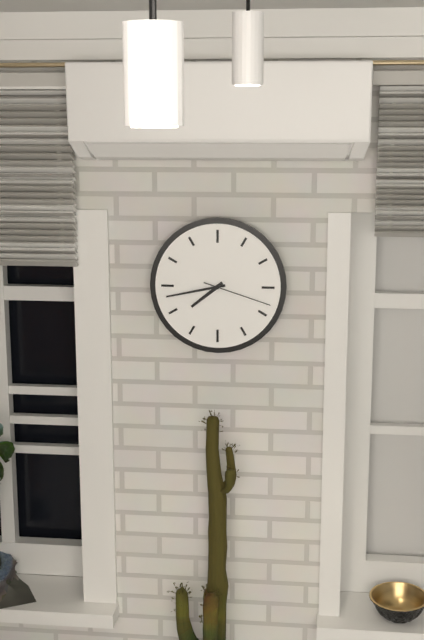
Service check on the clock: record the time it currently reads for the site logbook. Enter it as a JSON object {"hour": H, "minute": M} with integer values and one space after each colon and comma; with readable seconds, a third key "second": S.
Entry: {"hour": 7, "minute": 43, "second": 18}
